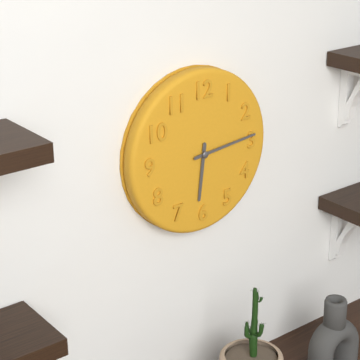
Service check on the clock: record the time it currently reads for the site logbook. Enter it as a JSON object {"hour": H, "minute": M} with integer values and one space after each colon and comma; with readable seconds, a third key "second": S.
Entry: {"hour": 6, "minute": 14}
